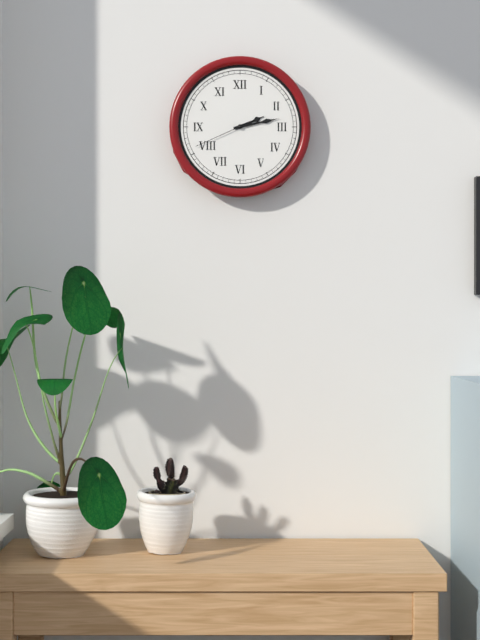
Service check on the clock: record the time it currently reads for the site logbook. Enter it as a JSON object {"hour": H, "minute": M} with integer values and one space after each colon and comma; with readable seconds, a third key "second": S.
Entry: {"hour": 2, "minute": 13, "second": 41}
